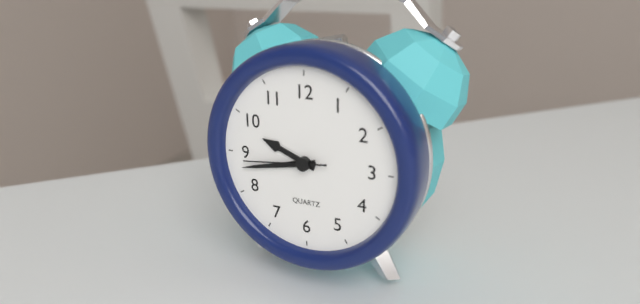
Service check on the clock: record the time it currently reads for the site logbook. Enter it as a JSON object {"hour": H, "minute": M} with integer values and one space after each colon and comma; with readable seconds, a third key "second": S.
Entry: {"hour": 9, "minute": 43, "second": 44}
